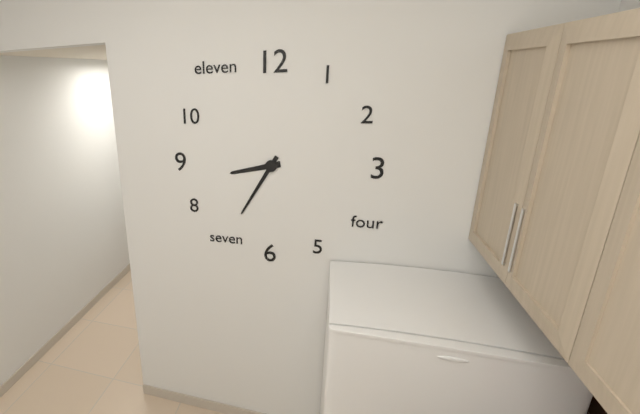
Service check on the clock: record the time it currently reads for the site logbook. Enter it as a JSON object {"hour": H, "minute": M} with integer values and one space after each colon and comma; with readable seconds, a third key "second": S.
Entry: {"hour": 8, "minute": 35}
